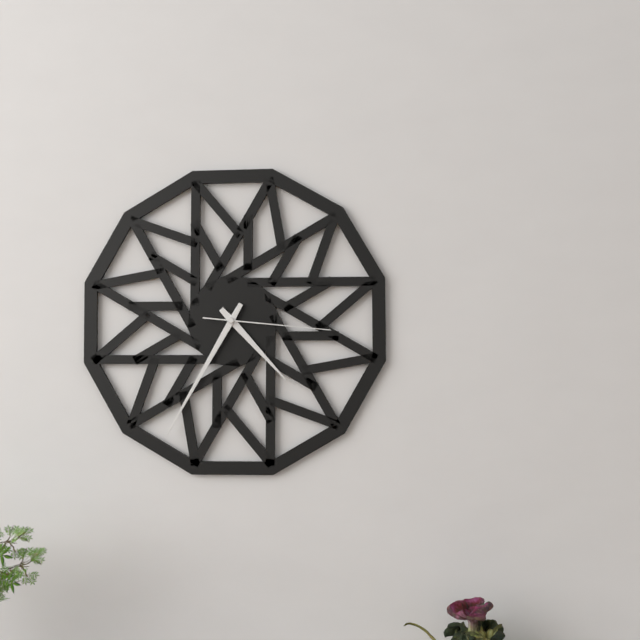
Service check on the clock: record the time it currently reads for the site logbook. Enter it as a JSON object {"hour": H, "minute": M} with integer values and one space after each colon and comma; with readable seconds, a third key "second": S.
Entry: {"hour": 4, "minute": 35, "second": 16}
